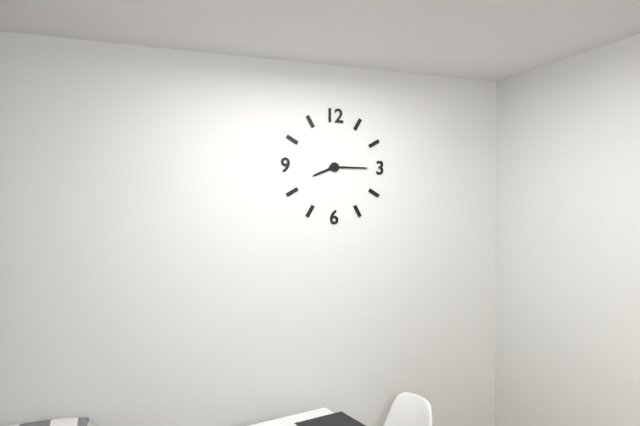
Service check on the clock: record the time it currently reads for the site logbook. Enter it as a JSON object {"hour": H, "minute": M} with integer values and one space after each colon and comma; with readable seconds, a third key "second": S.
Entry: {"hour": 8, "minute": 15}
